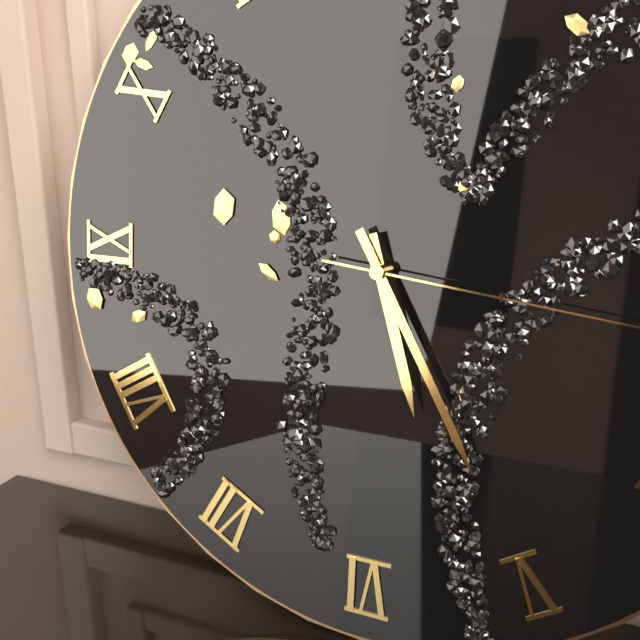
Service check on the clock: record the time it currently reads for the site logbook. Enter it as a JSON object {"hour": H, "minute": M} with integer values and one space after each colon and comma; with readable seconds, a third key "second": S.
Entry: {"hour": 5, "minute": 25}
